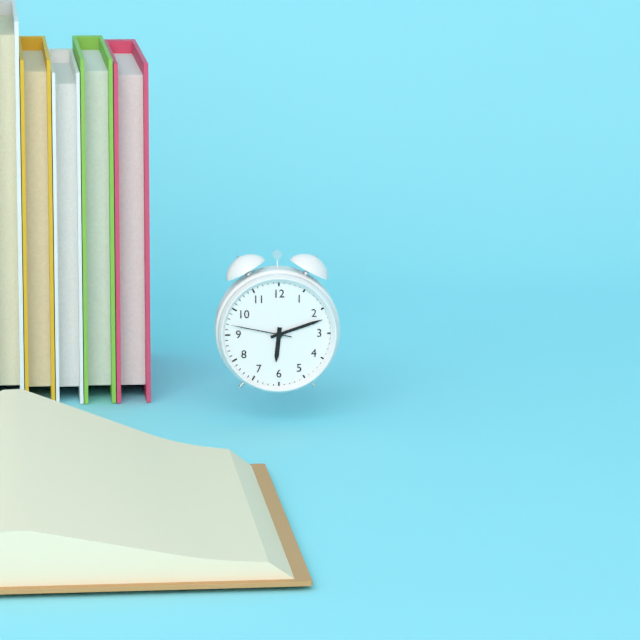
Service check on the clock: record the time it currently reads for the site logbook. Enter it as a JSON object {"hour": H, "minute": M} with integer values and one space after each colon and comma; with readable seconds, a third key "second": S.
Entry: {"hour": 6, "minute": 12, "second": 47}
